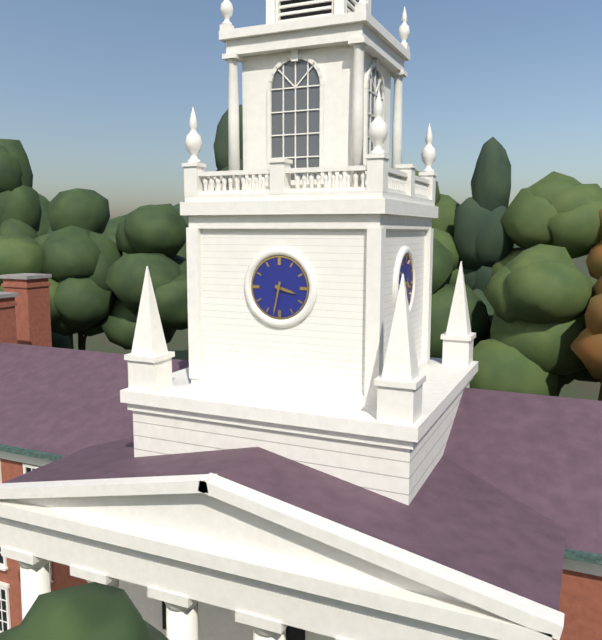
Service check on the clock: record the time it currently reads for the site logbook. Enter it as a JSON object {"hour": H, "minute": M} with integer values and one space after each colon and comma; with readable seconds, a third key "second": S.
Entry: {"hour": 3, "minute": 32}
